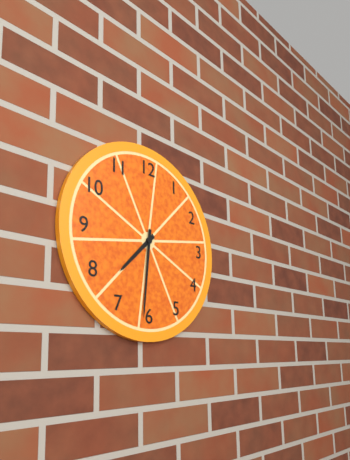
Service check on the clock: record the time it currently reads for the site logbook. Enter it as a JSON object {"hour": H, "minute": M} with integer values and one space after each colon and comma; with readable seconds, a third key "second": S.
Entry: {"hour": 7, "minute": 31}
